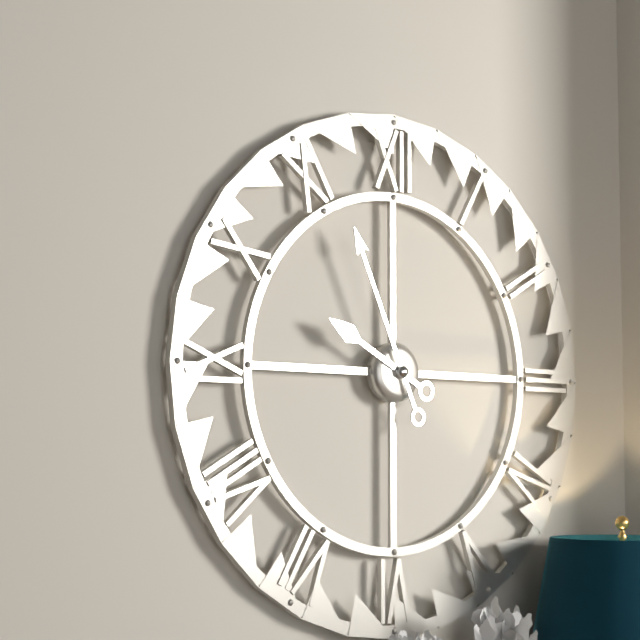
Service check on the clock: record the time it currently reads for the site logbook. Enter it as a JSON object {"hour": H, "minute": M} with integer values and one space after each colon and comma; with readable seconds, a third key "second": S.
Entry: {"hour": 9, "minute": 56}
